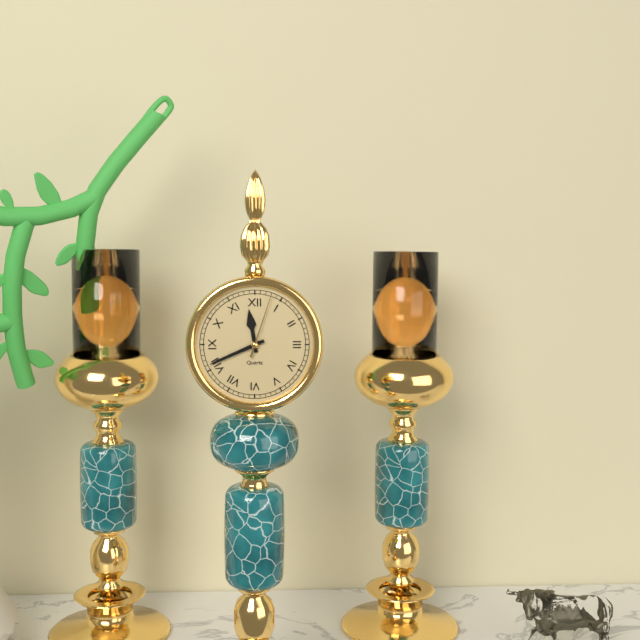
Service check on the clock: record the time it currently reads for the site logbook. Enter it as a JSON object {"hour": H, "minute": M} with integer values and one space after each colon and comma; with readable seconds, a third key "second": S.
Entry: {"hour": 11, "minute": 41, "second": 3}
